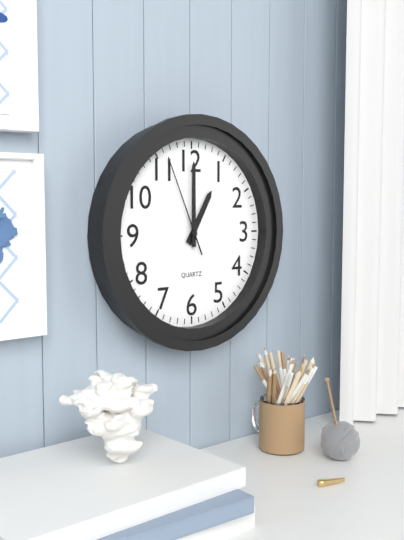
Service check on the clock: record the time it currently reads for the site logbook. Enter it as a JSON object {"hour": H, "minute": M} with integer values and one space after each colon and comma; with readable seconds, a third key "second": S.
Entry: {"hour": 1, "minute": 0, "second": 56}
